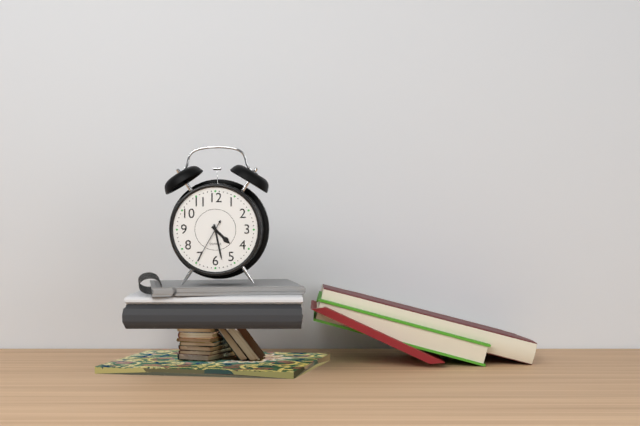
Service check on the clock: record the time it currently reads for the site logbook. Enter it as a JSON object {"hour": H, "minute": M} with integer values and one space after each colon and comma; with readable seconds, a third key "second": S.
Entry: {"hour": 4, "minute": 28}
